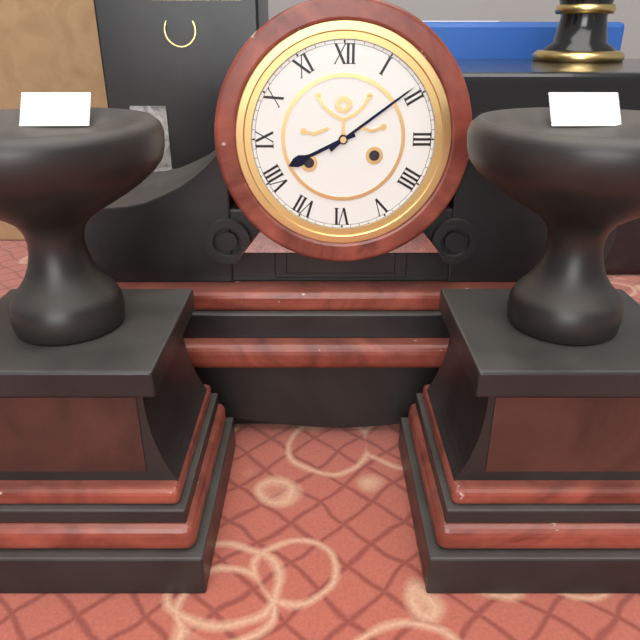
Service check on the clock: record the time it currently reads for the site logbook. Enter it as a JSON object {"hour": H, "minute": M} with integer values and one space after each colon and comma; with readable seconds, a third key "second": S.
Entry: {"hour": 8, "minute": 9}
